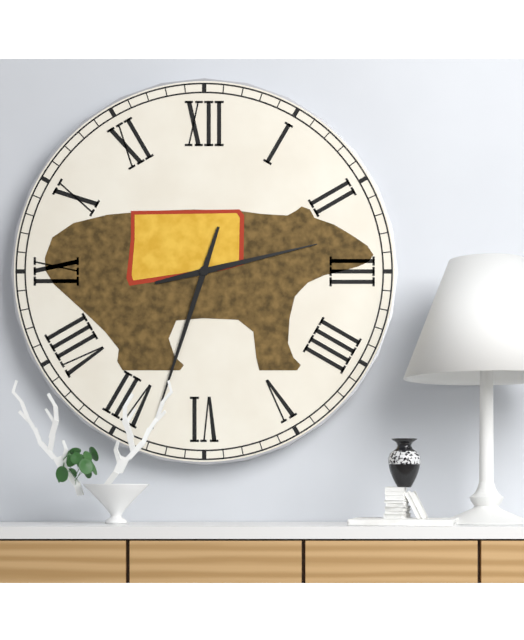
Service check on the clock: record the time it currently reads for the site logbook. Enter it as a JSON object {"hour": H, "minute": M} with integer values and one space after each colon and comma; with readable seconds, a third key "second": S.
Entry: {"hour": 2, "minute": 33}
